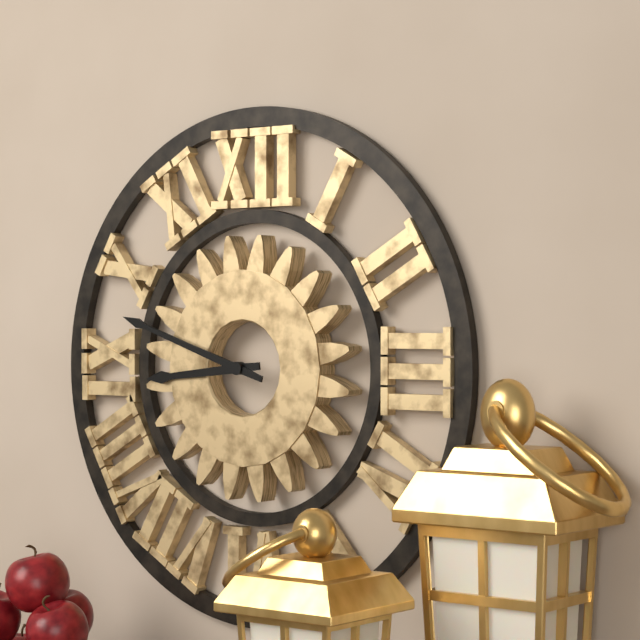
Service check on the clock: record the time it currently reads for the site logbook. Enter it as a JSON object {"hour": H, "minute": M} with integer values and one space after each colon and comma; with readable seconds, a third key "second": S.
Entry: {"hour": 8, "minute": 48}
